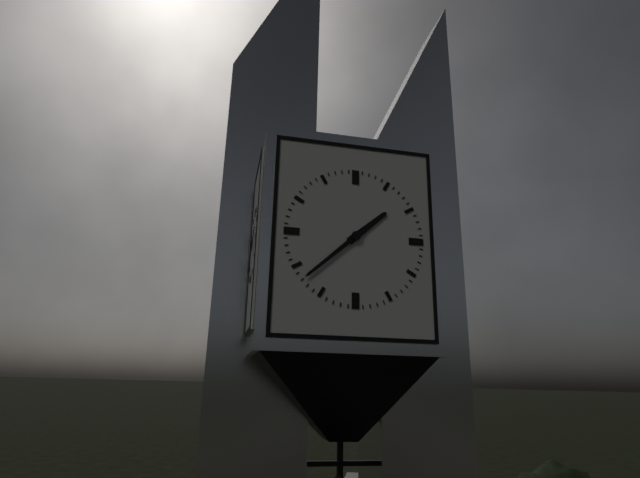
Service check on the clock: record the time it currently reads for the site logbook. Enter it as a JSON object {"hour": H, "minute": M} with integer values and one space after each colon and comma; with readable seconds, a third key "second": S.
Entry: {"hour": 1, "minute": 38}
